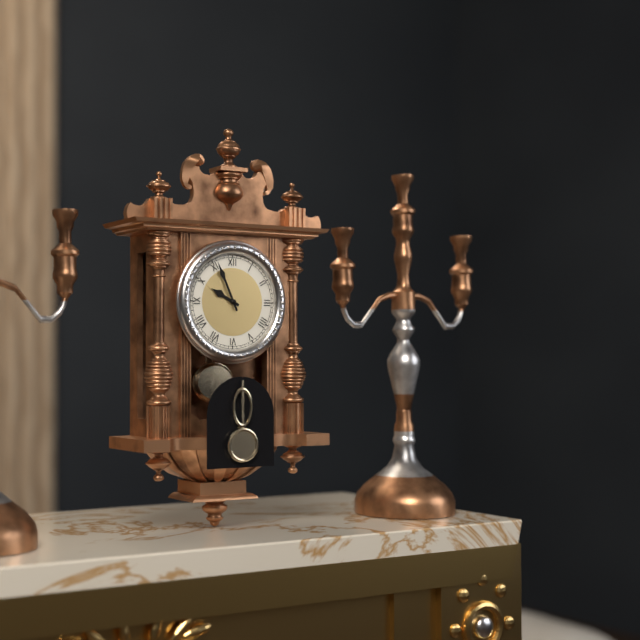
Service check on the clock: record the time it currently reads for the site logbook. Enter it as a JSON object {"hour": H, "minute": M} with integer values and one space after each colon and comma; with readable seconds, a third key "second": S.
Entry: {"hour": 9, "minute": 56}
